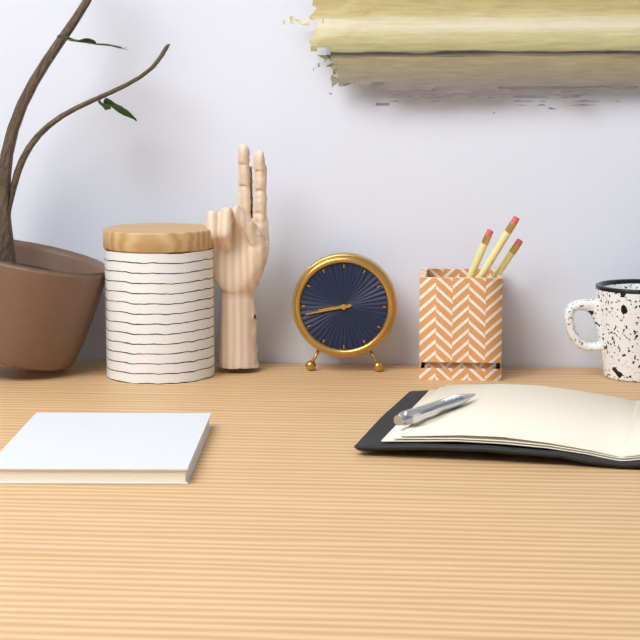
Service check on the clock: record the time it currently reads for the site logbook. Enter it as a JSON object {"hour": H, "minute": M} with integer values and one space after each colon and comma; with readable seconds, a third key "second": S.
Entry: {"hour": 8, "minute": 43}
